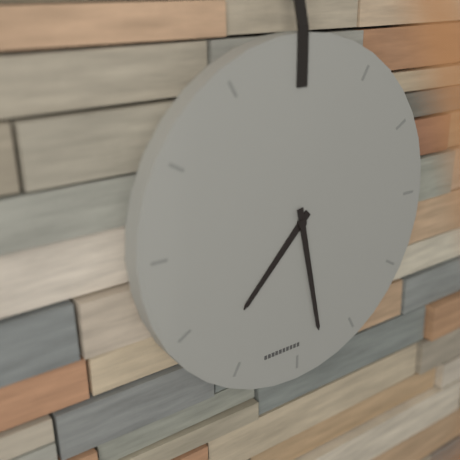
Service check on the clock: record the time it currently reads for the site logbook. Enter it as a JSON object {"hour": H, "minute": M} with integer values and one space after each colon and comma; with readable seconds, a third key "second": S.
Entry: {"hour": 7, "minute": 28}
